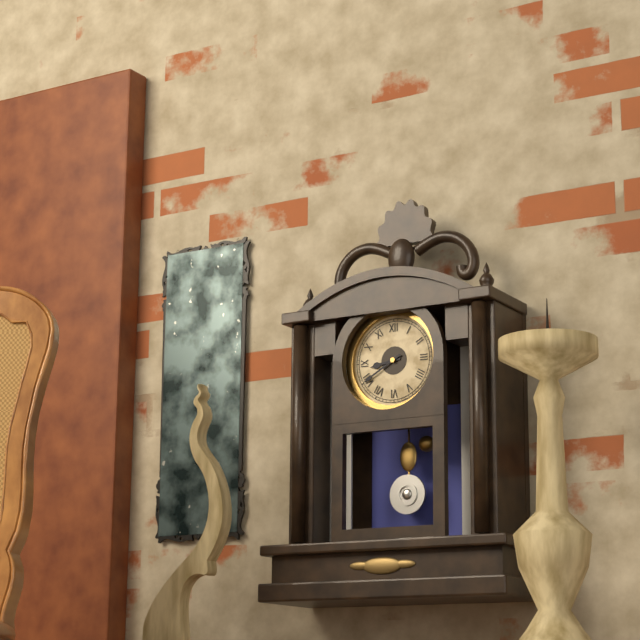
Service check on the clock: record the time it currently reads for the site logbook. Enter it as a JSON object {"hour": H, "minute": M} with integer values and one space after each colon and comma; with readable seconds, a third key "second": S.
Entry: {"hour": 8, "minute": 40}
